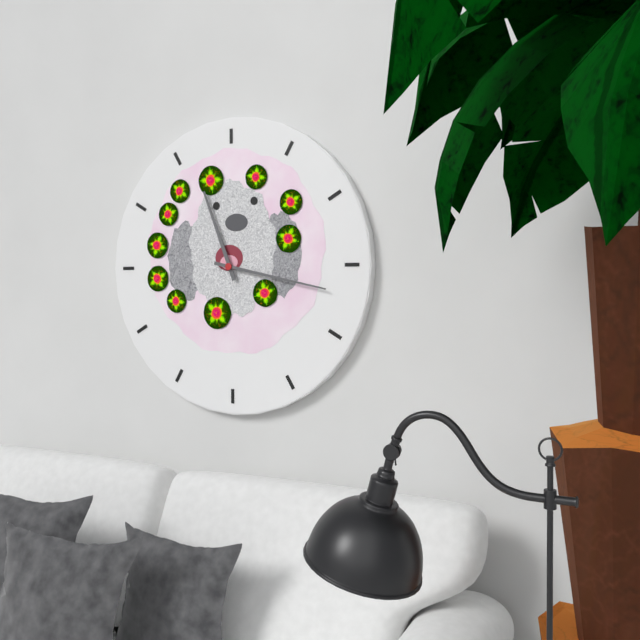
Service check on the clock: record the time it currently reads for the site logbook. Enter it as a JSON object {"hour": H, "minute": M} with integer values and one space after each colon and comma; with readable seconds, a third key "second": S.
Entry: {"hour": 11, "minute": 17}
